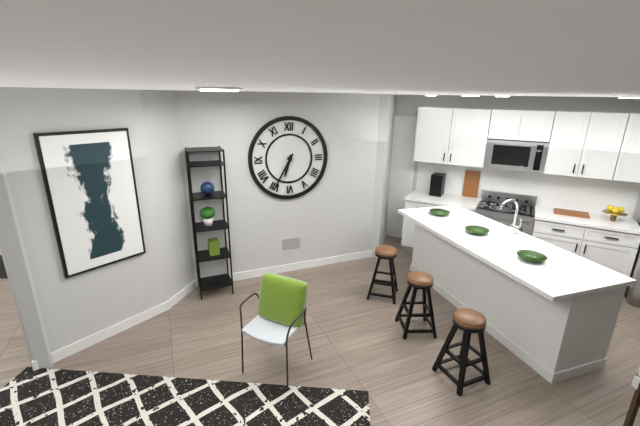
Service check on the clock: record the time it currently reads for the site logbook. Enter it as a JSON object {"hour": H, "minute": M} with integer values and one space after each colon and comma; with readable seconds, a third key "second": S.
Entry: {"hour": 6, "minute": 35}
